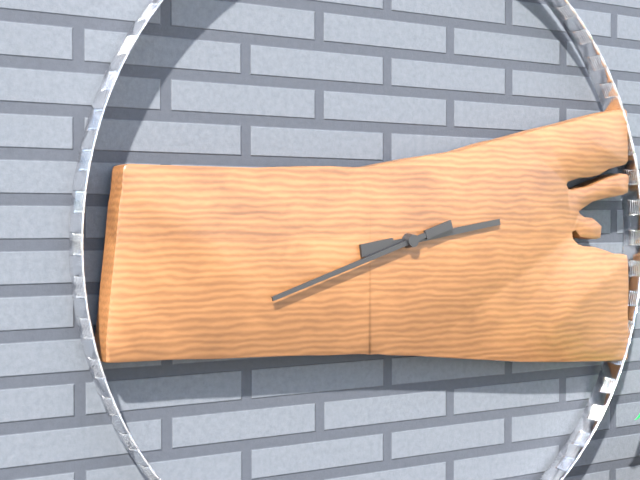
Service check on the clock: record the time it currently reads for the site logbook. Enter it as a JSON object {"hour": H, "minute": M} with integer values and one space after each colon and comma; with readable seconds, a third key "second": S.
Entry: {"hour": 2, "minute": 42}
